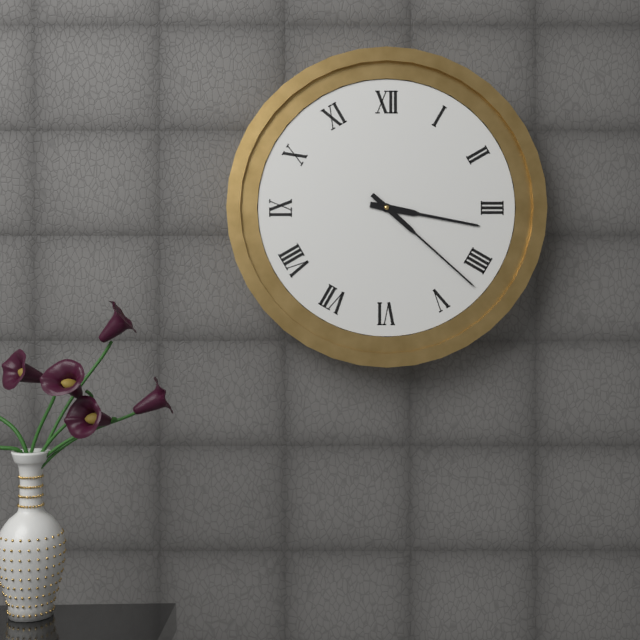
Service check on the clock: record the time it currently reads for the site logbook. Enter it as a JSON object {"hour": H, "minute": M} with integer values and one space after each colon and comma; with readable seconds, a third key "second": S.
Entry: {"hour": 3, "minute": 22}
